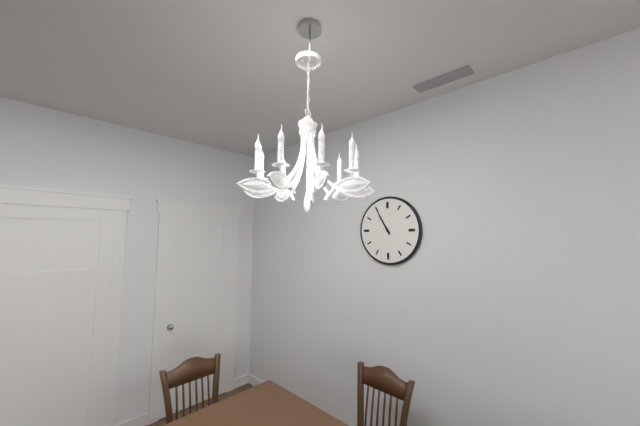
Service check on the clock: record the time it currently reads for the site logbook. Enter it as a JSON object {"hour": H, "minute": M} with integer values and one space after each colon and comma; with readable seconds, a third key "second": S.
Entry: {"hour": 10, "minute": 55}
